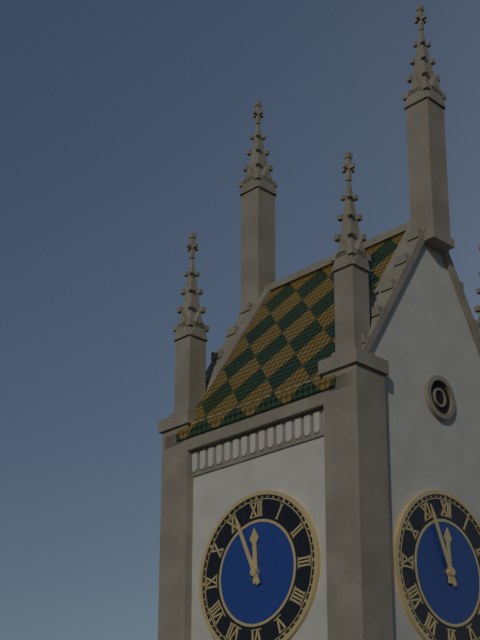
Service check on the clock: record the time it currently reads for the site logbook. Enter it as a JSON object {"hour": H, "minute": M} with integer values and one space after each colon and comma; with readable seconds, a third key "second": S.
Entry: {"hour": 11, "minute": 56}
